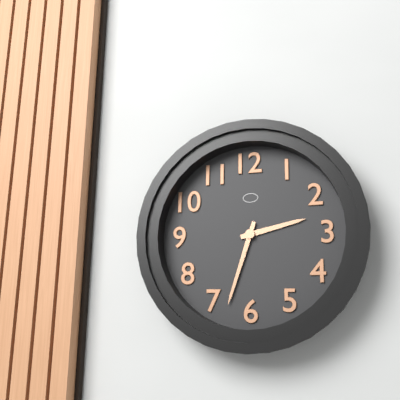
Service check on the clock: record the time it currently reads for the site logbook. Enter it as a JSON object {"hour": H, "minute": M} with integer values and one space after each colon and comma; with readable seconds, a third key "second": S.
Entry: {"hour": 2, "minute": 33}
